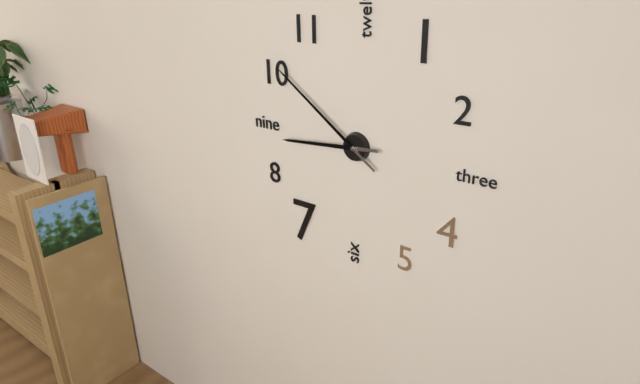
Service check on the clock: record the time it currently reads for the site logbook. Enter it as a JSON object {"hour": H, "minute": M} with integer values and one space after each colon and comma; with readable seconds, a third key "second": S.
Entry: {"hour": 8, "minute": 51}
